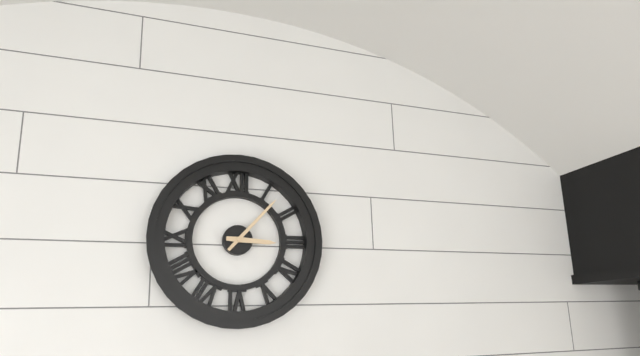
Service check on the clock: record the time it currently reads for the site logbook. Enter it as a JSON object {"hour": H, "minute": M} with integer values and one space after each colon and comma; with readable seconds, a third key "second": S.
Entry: {"hour": 3, "minute": 7}
